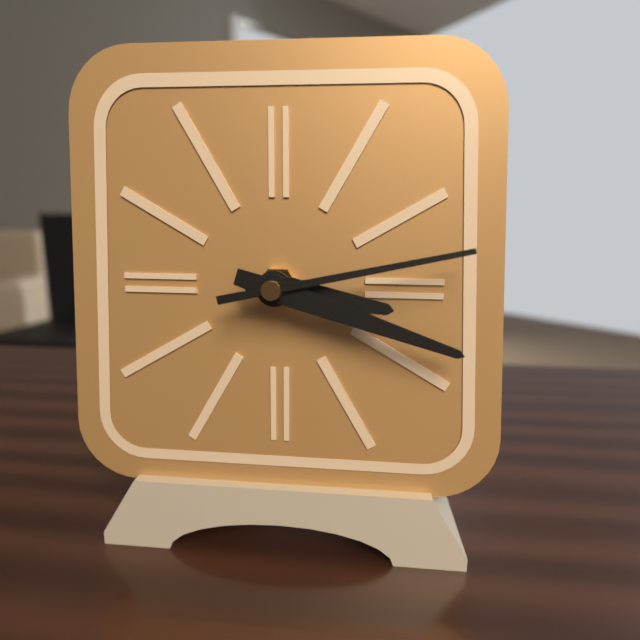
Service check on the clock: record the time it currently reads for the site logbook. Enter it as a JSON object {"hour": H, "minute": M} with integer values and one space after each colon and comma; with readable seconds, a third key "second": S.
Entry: {"hour": 3, "minute": 18, "second": 13}
